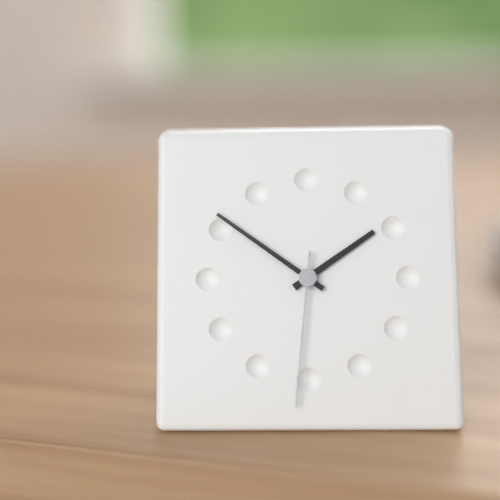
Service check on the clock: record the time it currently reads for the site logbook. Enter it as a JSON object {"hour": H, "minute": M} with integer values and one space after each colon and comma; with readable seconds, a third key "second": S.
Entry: {"hour": 1, "minute": 51, "second": 31}
